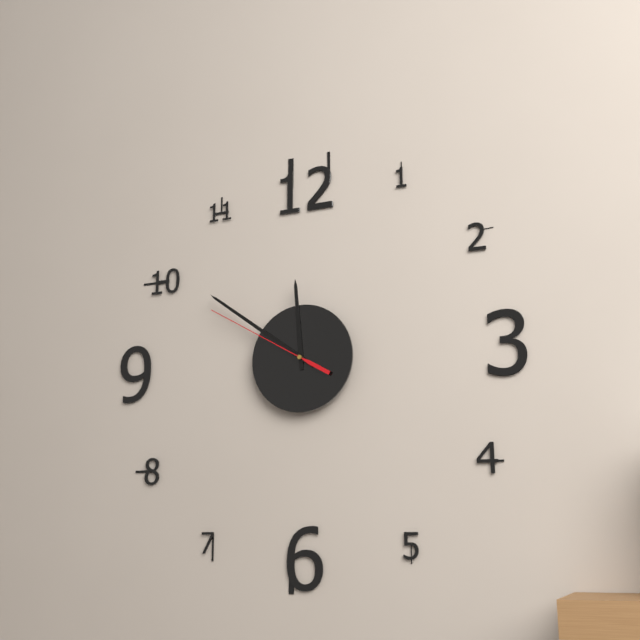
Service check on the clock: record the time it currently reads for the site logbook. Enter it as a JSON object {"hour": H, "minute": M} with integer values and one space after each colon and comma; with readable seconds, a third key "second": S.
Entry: {"hour": 11, "minute": 51, "second": 50}
